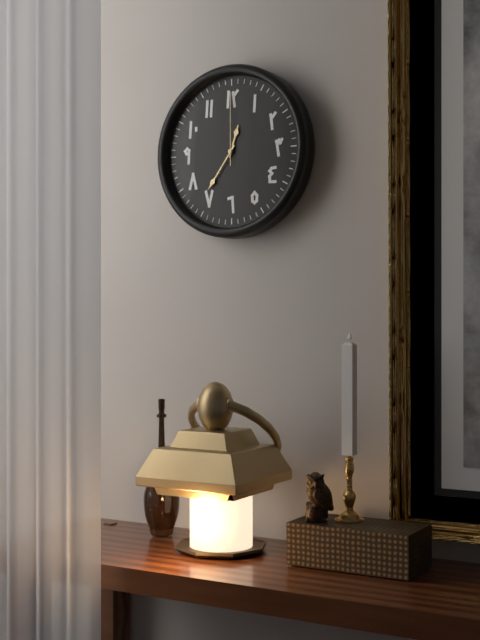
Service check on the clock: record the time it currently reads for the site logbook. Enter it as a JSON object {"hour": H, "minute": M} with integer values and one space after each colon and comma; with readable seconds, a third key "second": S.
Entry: {"hour": 12, "minute": 36, "second": 0}
